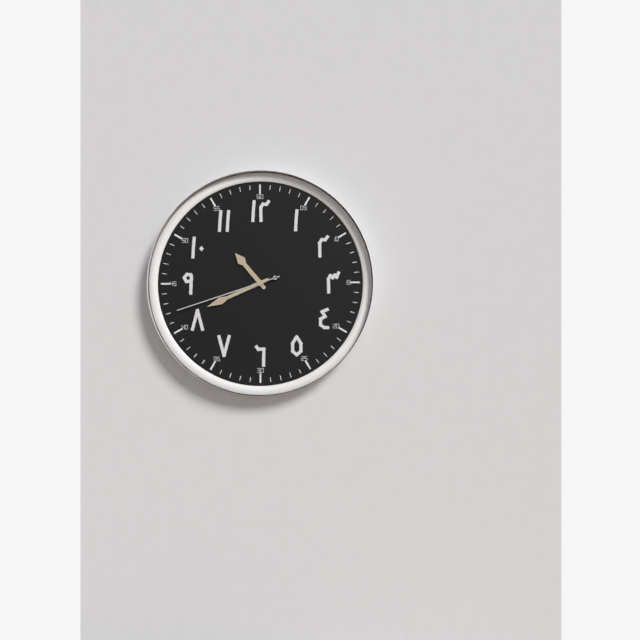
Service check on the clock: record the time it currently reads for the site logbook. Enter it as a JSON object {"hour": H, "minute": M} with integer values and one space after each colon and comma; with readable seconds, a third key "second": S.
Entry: {"hour": 10, "minute": 41, "second": 42}
